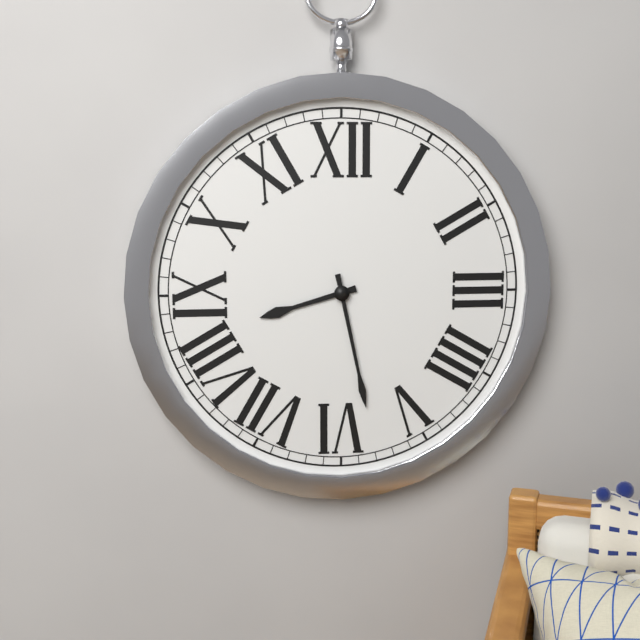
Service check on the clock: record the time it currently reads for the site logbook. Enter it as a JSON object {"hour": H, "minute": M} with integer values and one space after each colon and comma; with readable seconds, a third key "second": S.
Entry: {"hour": 8, "minute": 28}
